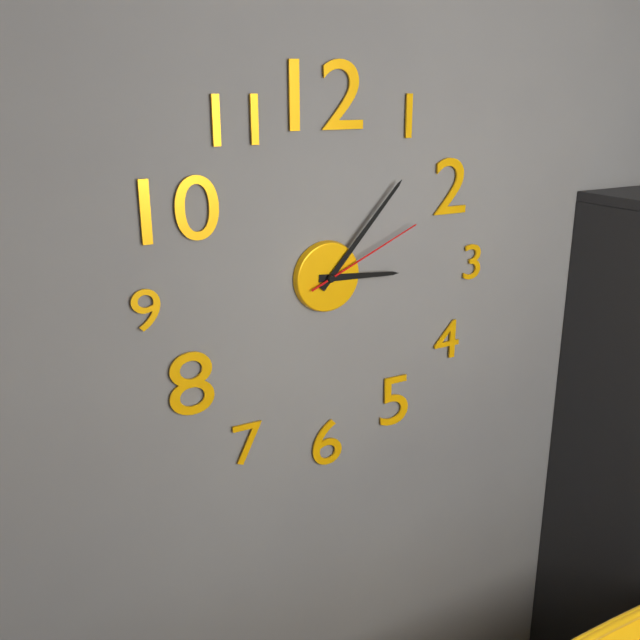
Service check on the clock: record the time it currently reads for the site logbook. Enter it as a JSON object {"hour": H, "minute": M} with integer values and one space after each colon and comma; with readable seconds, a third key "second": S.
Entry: {"hour": 3, "minute": 7, "second": 11}
